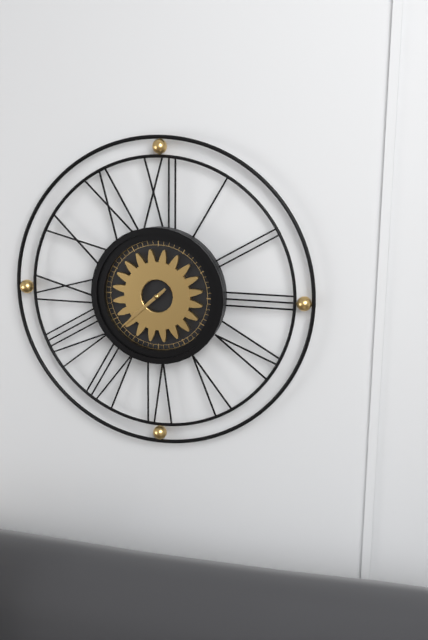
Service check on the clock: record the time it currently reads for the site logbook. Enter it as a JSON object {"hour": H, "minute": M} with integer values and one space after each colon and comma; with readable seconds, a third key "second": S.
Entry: {"hour": 7, "minute": 38}
